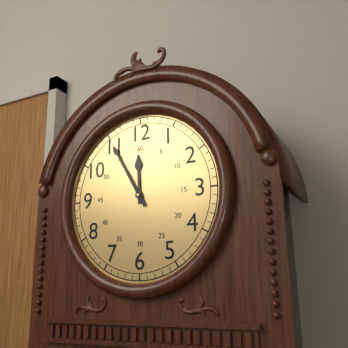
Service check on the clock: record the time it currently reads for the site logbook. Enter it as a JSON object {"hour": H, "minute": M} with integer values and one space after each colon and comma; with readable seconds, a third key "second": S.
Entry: {"hour": 11, "minute": 55}
